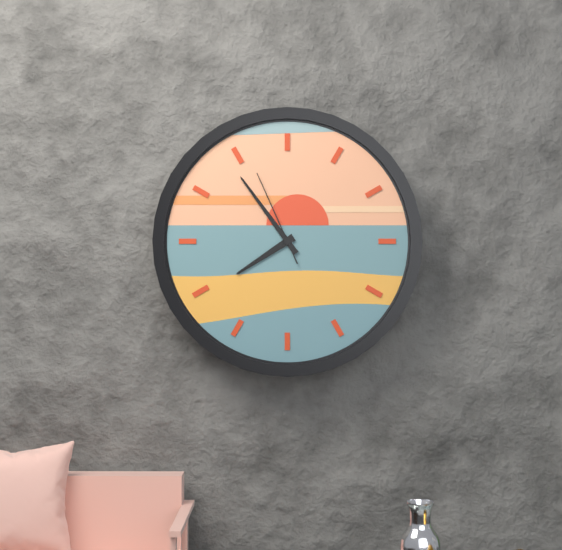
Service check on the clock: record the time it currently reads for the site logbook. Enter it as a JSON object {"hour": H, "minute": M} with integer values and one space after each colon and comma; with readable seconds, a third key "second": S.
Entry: {"hour": 7, "minute": 54, "second": 56}
